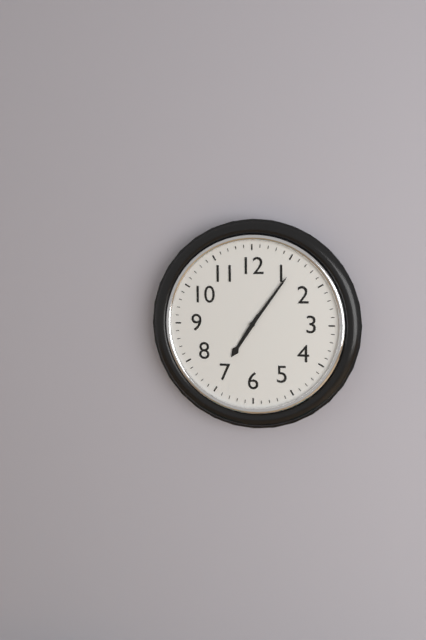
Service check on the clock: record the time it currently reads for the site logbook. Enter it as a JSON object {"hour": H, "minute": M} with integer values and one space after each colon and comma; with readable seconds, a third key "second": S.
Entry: {"hour": 7, "minute": 6}
